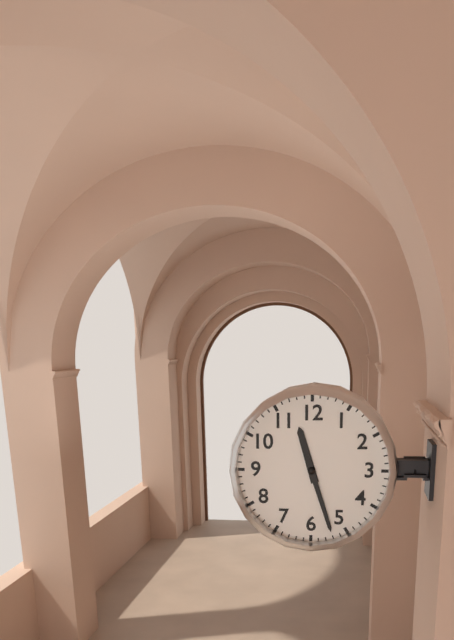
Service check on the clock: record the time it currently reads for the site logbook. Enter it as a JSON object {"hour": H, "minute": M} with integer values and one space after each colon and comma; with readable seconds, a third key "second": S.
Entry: {"hour": 11, "minute": 27}
